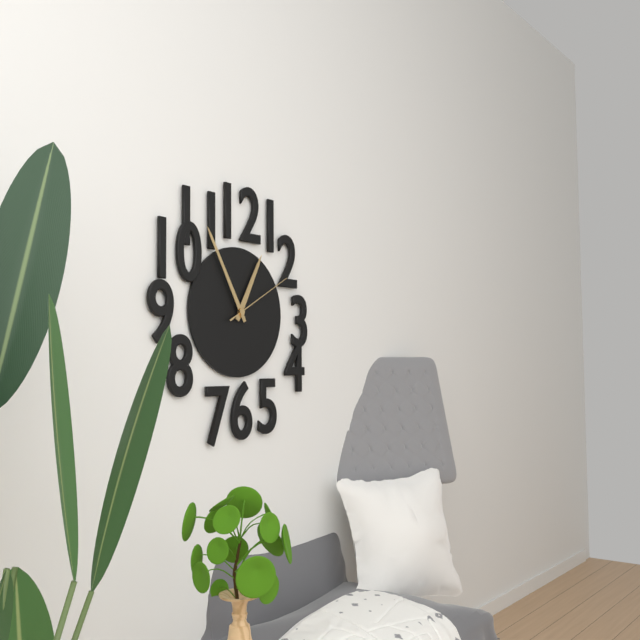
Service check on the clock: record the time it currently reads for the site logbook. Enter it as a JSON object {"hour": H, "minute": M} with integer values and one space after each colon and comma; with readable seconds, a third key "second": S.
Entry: {"hour": 12, "minute": 55, "second": 10}
